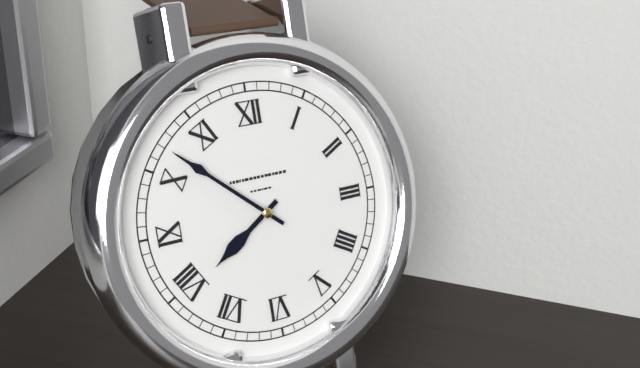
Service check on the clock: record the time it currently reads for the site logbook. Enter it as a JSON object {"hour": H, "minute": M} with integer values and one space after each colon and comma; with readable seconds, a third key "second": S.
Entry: {"hour": 7, "minute": 52}
